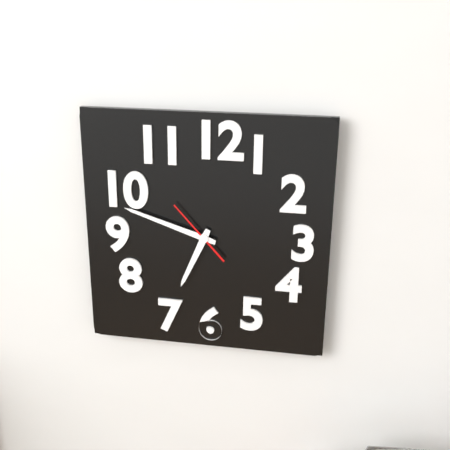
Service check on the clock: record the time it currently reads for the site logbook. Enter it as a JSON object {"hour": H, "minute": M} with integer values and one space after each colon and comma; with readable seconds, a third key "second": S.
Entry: {"hour": 6, "minute": 48, "second": 53}
